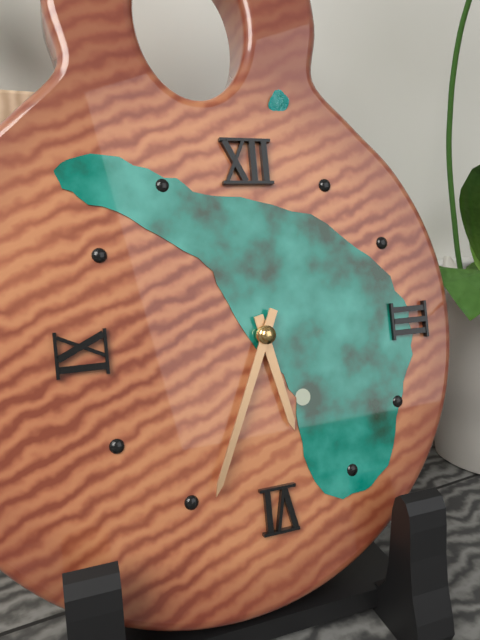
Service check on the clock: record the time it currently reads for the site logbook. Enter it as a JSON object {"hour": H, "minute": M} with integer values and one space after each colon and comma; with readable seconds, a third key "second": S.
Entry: {"hour": 5, "minute": 34}
